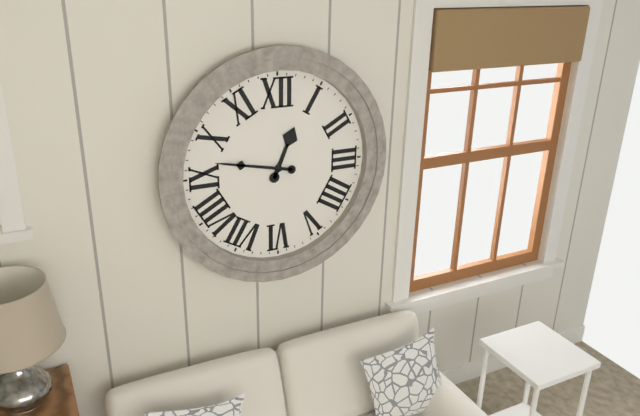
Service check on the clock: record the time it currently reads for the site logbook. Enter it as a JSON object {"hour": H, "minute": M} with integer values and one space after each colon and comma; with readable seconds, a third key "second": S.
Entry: {"hour": 12, "minute": 47}
